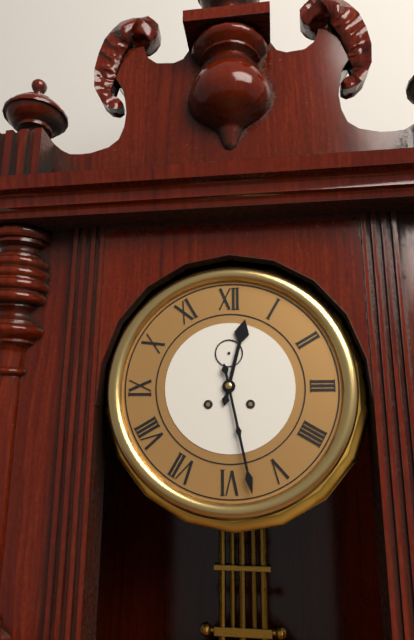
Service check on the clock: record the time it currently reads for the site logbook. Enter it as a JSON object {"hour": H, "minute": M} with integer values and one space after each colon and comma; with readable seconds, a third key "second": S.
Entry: {"hour": 12, "minute": 28}
